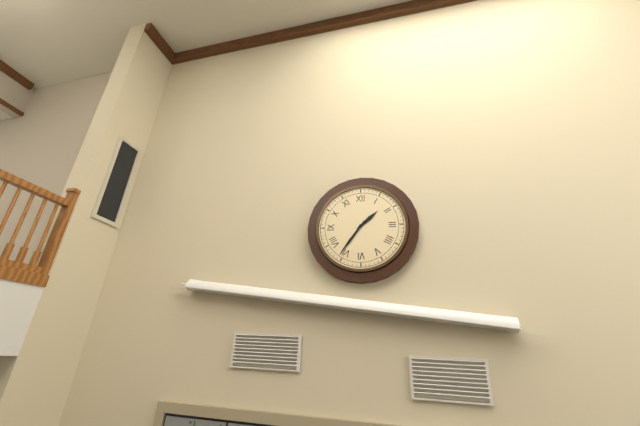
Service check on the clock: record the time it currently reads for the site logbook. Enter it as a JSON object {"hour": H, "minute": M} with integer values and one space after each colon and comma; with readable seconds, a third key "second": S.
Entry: {"hour": 1, "minute": 36}
